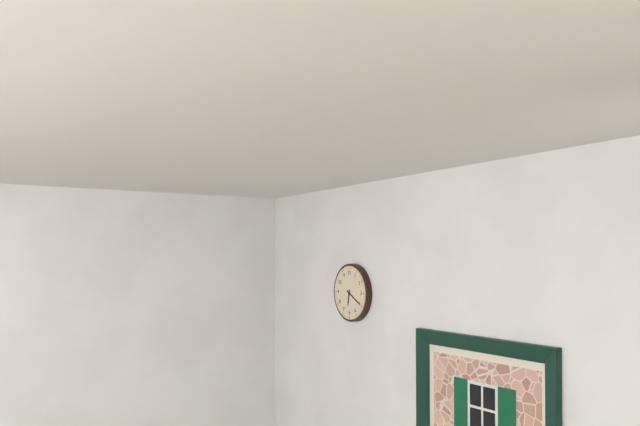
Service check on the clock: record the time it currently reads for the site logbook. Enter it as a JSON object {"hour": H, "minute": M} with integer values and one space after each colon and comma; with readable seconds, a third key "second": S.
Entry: {"hour": 6, "minute": 20}
